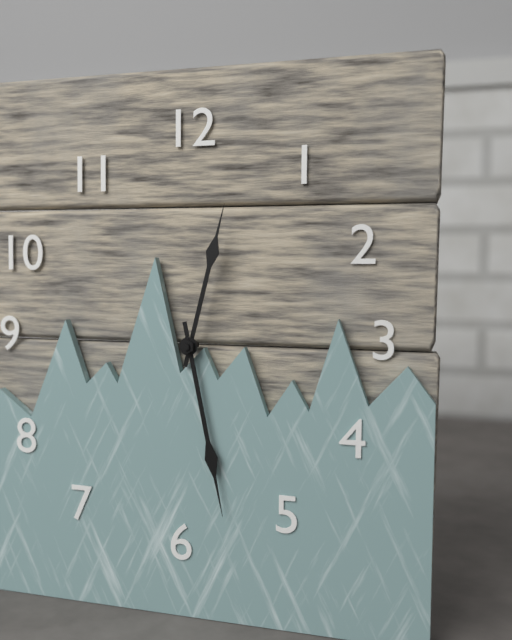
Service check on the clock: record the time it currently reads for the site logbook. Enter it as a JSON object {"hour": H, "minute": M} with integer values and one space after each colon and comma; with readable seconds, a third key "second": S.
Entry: {"hour": 12, "minute": 28}
